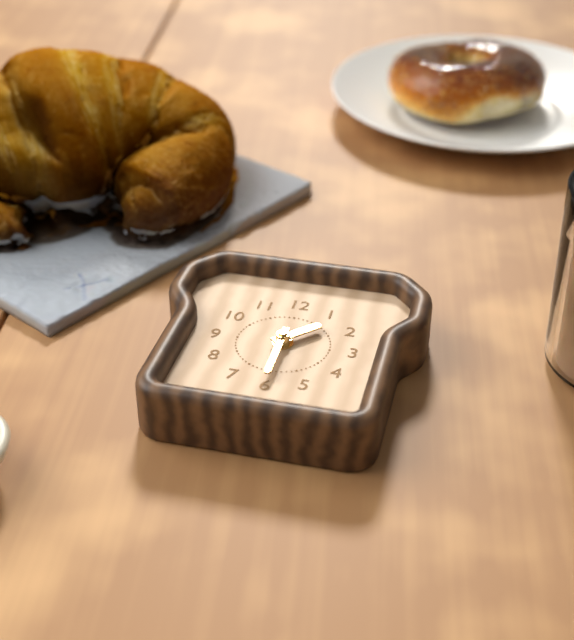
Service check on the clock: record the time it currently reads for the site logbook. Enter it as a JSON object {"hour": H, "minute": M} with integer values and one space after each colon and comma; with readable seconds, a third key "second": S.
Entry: {"hour": 1, "minute": 30}
